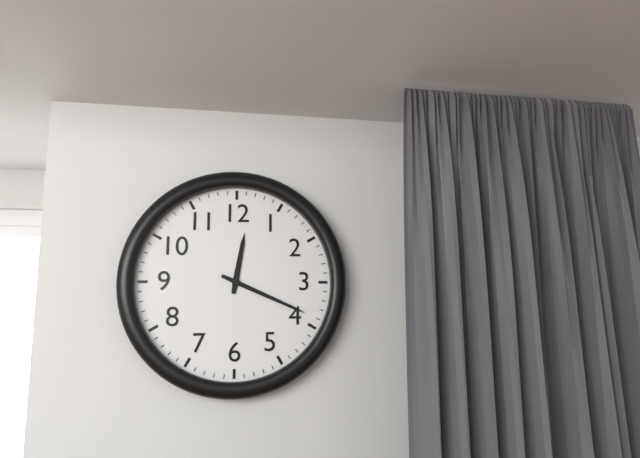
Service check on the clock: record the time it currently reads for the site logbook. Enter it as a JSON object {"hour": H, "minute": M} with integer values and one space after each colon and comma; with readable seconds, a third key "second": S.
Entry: {"hour": 12, "minute": 19}
